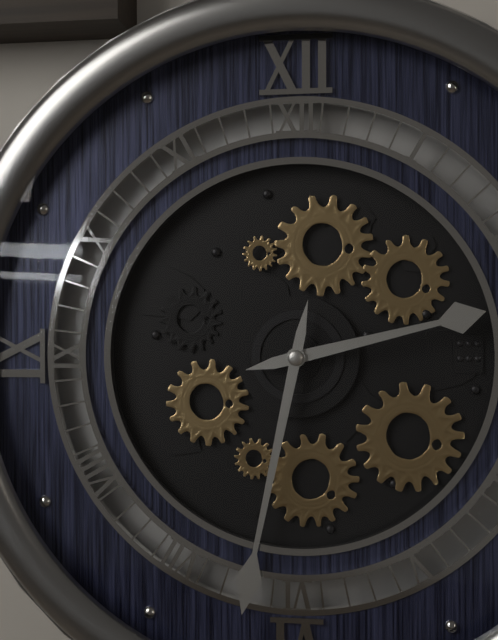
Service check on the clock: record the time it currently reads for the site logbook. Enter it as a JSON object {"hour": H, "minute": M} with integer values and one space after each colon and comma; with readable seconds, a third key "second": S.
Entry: {"hour": 2, "minute": 32}
